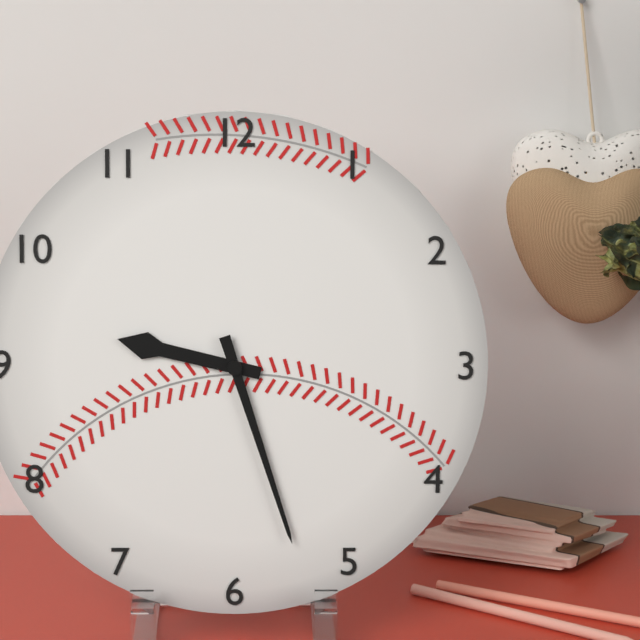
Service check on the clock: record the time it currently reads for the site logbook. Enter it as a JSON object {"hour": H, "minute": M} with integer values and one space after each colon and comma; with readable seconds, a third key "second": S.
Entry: {"hour": 9, "minute": 27}
